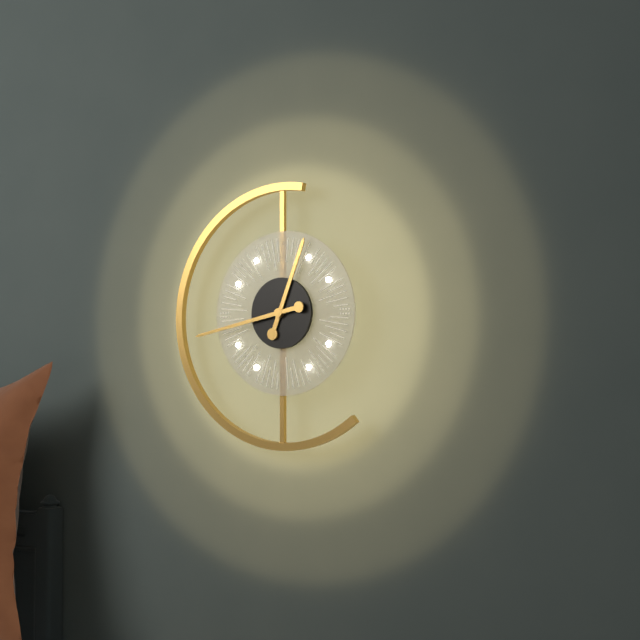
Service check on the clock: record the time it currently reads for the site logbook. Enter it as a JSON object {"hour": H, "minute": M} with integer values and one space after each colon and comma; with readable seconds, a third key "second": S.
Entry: {"hour": 12, "minute": 43}
